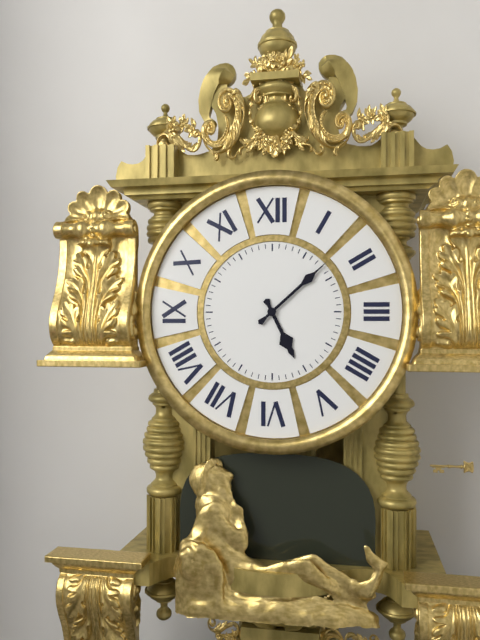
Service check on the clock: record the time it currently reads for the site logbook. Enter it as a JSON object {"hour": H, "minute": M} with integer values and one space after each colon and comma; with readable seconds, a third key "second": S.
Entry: {"hour": 5, "minute": 8}
